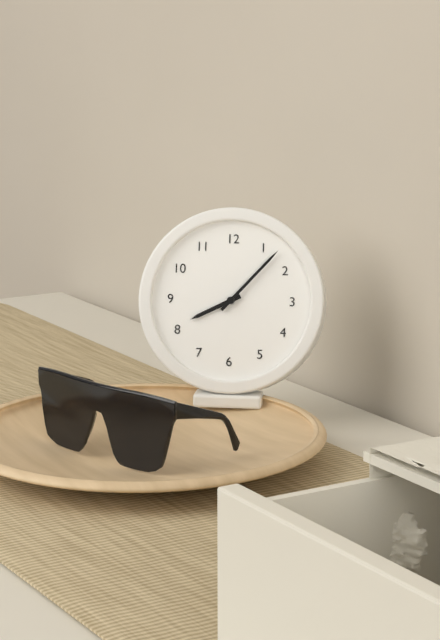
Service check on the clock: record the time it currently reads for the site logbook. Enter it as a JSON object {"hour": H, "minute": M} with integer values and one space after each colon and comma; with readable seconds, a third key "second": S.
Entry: {"hour": 8, "minute": 7}
